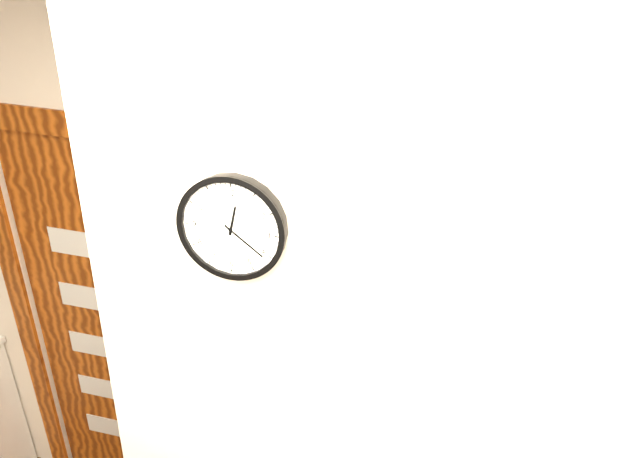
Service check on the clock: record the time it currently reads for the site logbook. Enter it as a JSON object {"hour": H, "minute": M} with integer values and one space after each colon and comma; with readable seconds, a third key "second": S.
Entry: {"hour": 12, "minute": 21}
